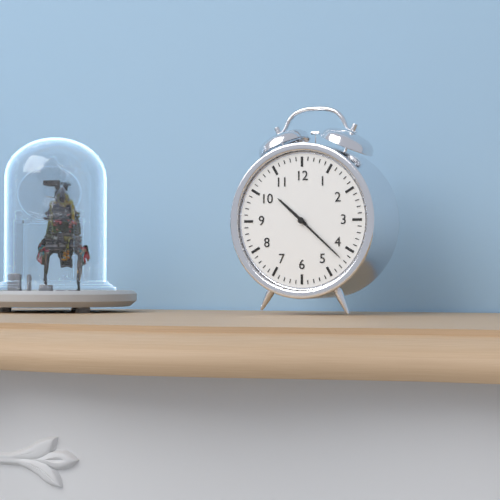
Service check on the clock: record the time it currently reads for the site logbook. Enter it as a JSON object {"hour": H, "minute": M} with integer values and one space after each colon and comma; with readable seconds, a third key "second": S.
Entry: {"hour": 10, "minute": 22}
